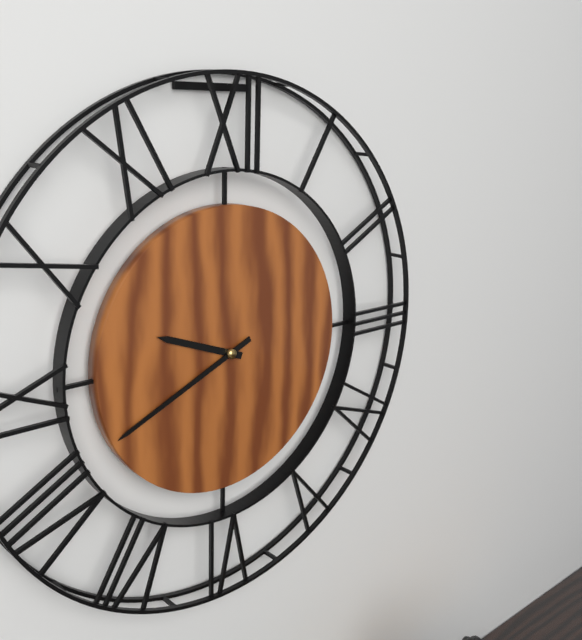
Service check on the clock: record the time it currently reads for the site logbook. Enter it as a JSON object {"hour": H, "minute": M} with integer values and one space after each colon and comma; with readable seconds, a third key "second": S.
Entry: {"hour": 9, "minute": 41}
